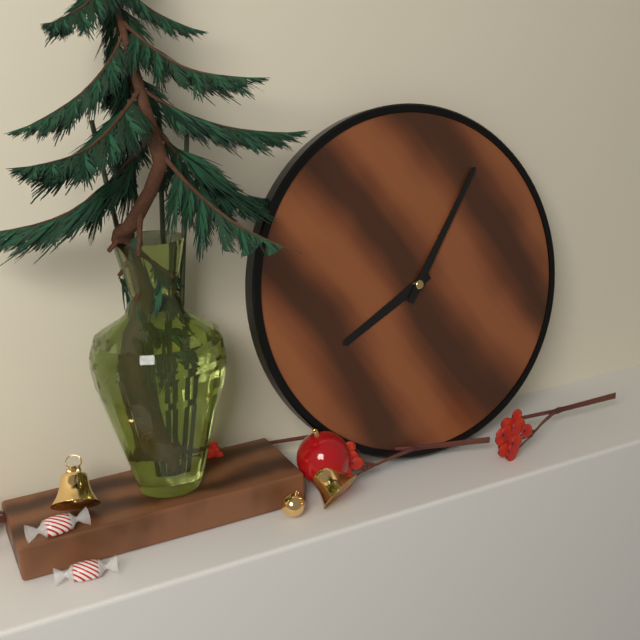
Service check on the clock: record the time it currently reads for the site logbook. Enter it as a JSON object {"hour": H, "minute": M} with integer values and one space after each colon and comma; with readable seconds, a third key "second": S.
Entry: {"hour": 8, "minute": 6}
